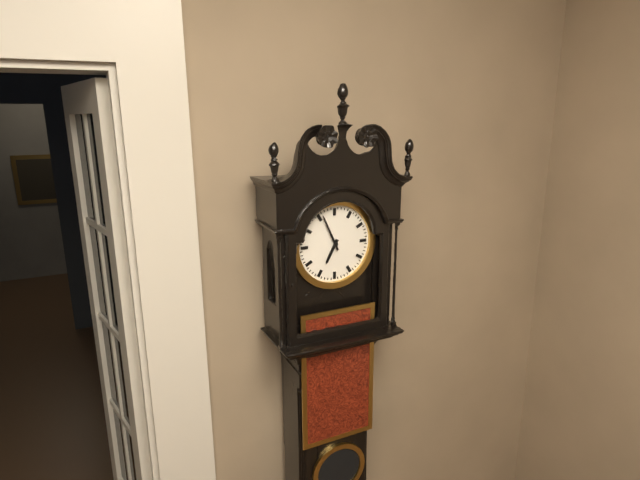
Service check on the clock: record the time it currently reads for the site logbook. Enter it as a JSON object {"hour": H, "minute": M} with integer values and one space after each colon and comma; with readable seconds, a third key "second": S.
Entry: {"hour": 6, "minute": 56}
